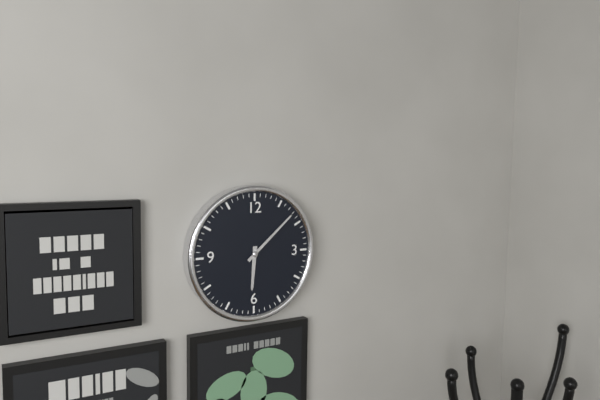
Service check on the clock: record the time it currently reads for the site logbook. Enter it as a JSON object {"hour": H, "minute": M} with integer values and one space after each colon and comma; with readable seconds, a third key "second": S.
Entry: {"hour": 6, "minute": 8}
